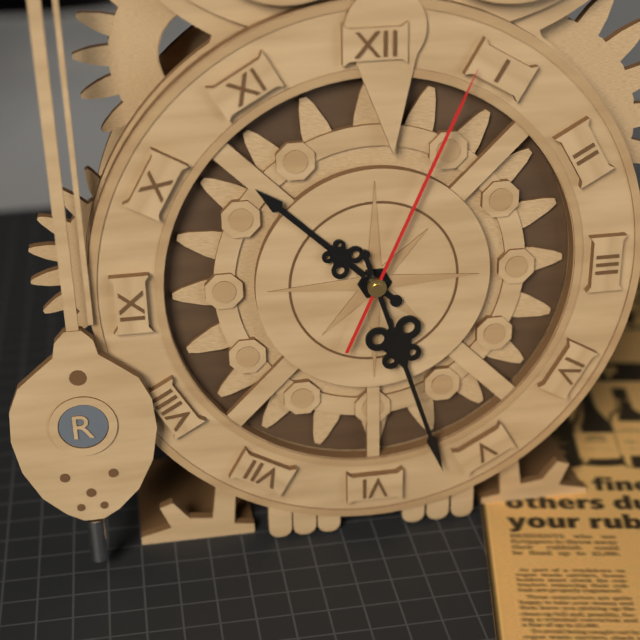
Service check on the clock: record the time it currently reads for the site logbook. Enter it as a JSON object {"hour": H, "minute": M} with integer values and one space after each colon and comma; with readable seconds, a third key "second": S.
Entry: {"hour": 10, "minute": 27, "second": 4}
